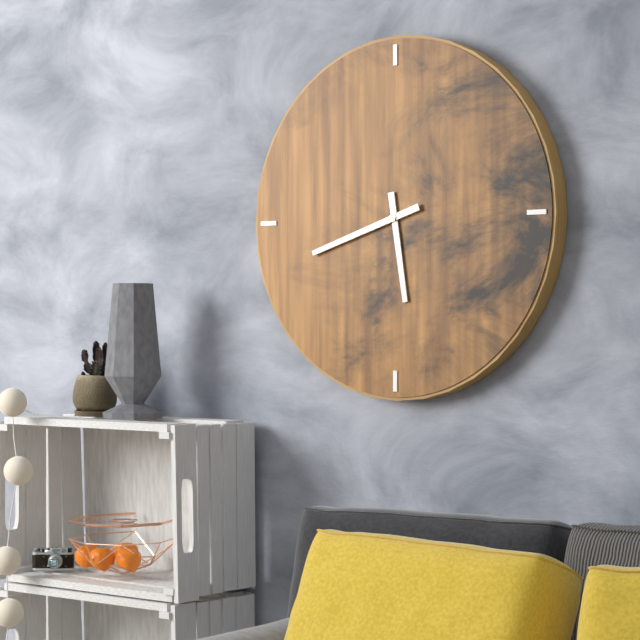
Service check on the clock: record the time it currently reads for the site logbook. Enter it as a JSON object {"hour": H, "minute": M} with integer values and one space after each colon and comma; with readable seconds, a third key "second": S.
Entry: {"hour": 5, "minute": 42}
